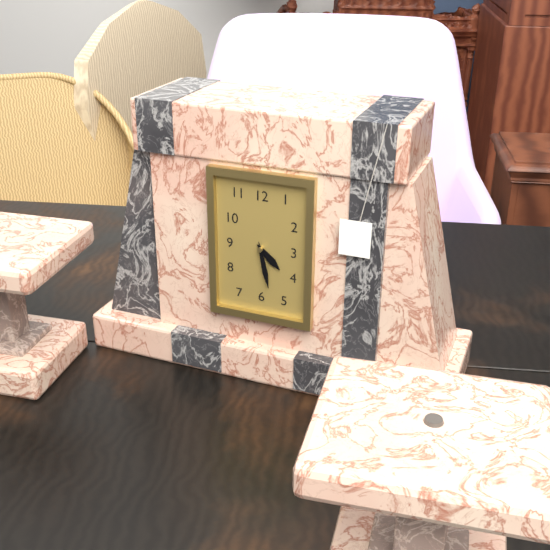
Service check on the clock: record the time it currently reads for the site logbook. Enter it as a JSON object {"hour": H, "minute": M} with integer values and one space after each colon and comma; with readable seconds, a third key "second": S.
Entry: {"hour": 4, "minute": 28}
